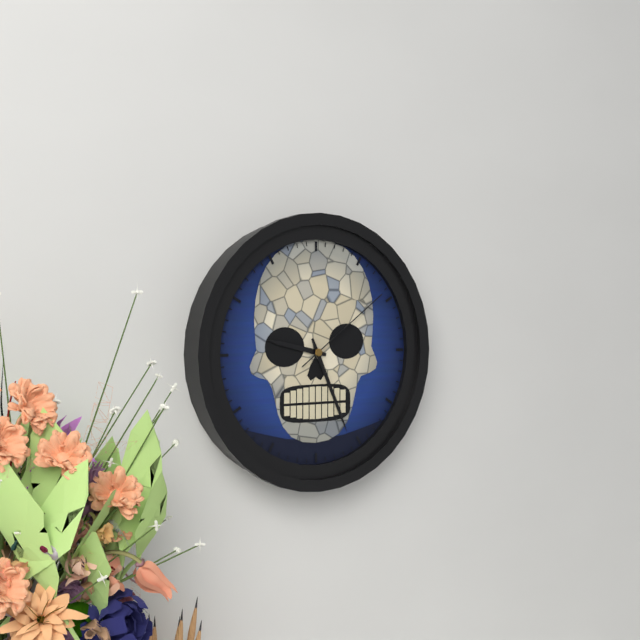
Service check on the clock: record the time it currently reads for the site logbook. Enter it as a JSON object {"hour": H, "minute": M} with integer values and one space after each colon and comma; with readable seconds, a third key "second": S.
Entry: {"hour": 9, "minute": 26, "second": 9}
